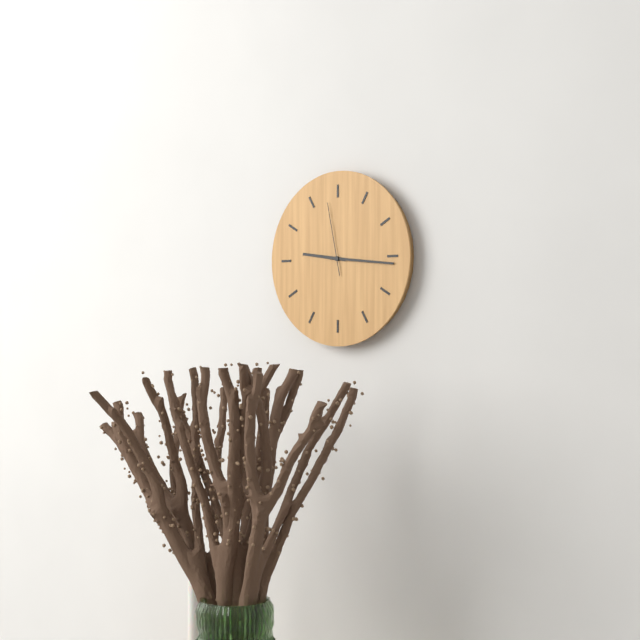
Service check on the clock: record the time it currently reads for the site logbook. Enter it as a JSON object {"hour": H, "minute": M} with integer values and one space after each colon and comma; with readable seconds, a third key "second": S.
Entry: {"hour": 9, "minute": 16, "second": 58}
